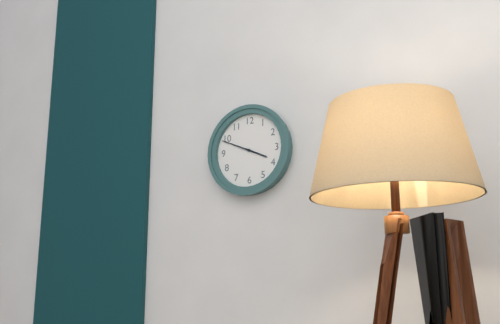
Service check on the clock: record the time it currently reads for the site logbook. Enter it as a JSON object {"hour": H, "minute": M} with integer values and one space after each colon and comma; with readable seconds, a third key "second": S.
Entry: {"hour": 3, "minute": 49}
